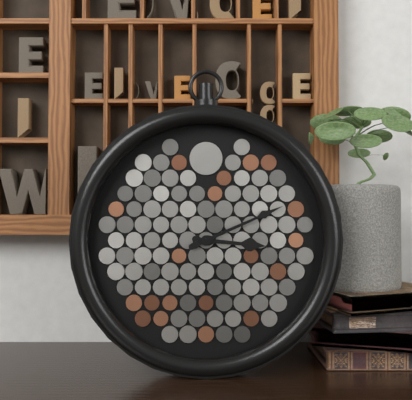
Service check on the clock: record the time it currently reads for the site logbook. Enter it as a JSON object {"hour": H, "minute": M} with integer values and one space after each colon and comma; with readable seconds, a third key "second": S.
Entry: {"hour": 3, "minute": 11}
